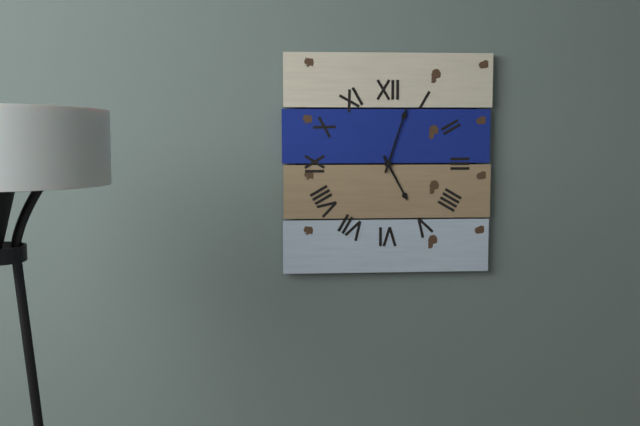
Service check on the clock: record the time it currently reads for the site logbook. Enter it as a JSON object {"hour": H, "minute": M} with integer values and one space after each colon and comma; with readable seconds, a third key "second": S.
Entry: {"hour": 5, "minute": 3}
